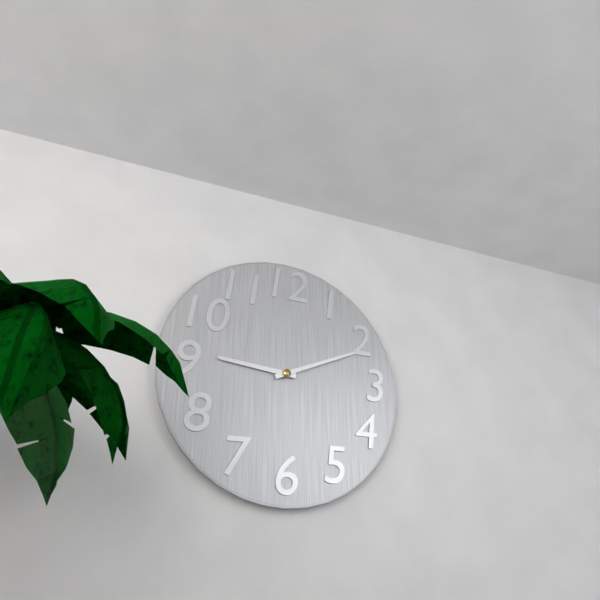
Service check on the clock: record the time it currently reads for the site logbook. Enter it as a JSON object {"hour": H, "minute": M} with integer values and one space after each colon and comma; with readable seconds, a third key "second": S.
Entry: {"hour": 9, "minute": 11}
